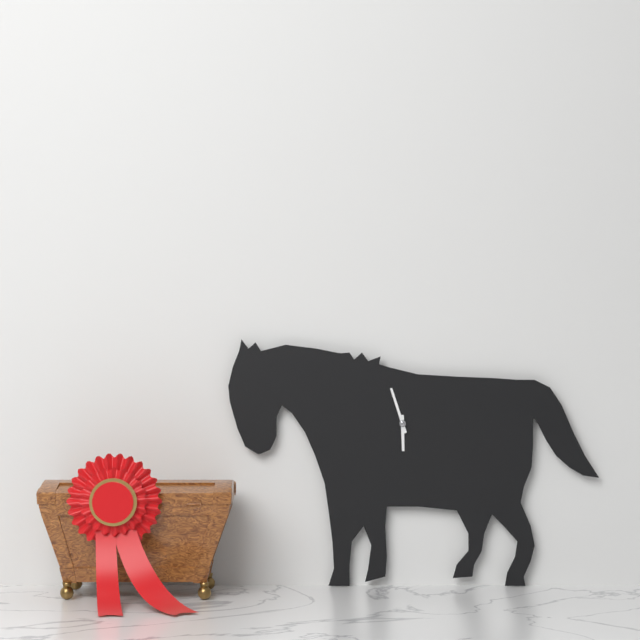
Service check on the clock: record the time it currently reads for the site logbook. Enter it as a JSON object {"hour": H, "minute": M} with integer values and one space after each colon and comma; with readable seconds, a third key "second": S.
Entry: {"hour": 5, "minute": 57}
